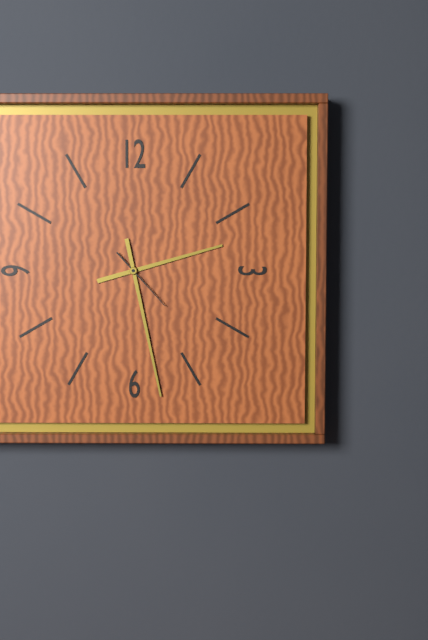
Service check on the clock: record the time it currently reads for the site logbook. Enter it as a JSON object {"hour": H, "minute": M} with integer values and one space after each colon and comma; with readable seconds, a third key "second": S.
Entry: {"hour": 2, "minute": 28, "second": 23}
